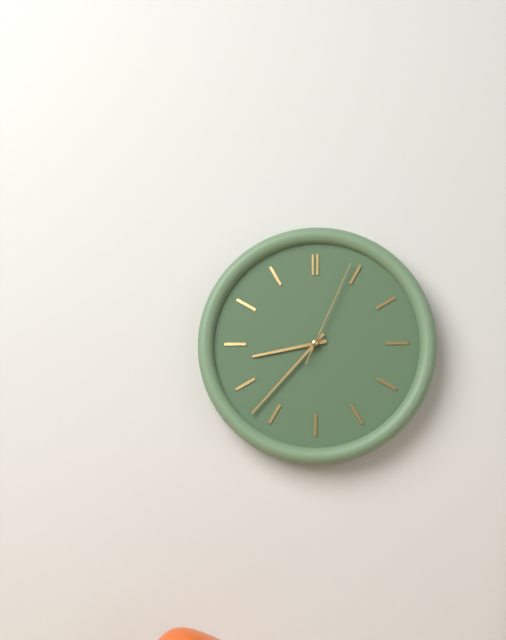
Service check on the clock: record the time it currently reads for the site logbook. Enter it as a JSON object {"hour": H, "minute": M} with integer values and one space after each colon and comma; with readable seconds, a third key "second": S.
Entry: {"hour": 8, "minute": 37, "second": 4}
